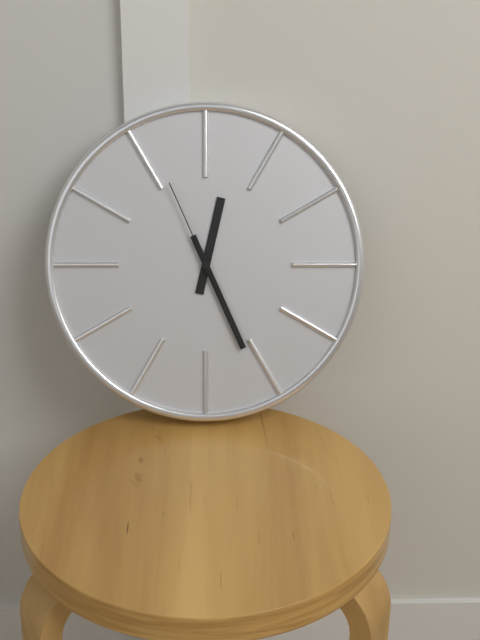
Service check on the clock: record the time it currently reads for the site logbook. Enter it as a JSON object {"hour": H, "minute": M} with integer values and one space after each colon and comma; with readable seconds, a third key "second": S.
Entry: {"hour": 12, "minute": 26, "second": 56}
